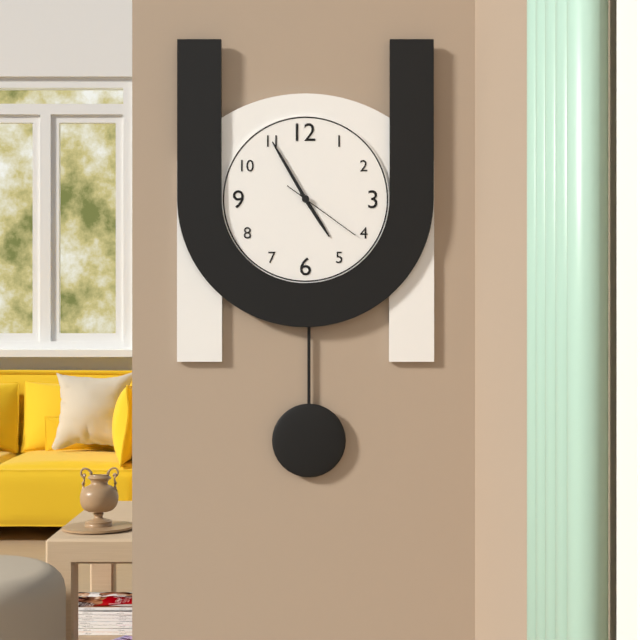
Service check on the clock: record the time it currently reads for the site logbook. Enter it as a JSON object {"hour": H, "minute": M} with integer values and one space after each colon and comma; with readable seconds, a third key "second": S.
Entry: {"hour": 4, "minute": 55, "second": 21}
